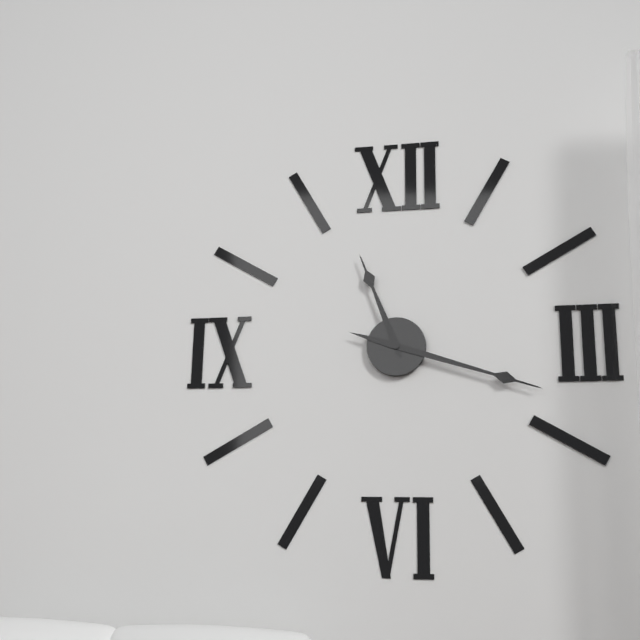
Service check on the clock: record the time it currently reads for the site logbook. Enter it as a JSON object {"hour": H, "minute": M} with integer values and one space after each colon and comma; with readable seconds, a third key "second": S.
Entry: {"hour": 11, "minute": 18}
